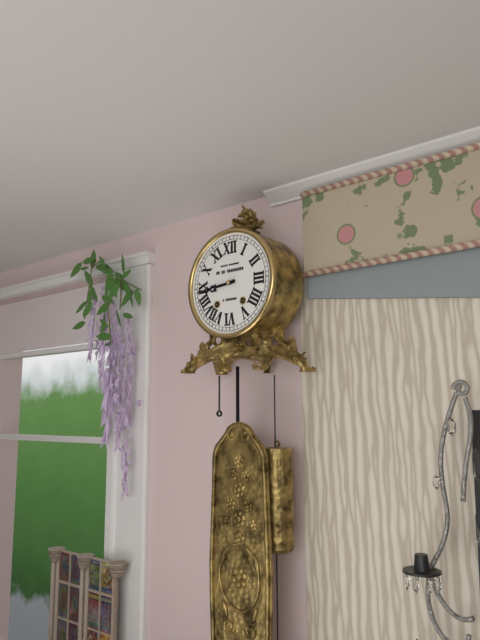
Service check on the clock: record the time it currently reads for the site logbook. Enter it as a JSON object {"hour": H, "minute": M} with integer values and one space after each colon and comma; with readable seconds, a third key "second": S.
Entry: {"hour": 8, "minute": 44}
